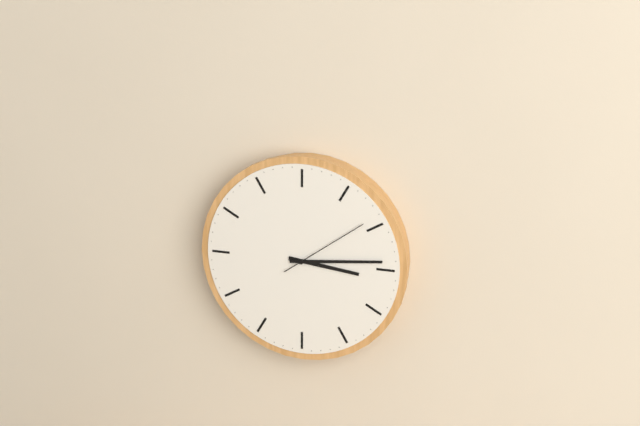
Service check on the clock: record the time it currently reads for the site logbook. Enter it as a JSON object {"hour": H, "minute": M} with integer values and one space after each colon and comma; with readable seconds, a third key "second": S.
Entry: {"hour": 3, "minute": 14, "second": 9}
